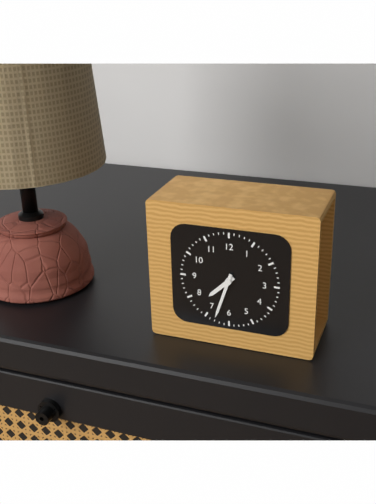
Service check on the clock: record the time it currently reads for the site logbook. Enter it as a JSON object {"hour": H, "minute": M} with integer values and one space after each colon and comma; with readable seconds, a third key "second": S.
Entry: {"hour": 7, "minute": 33}
